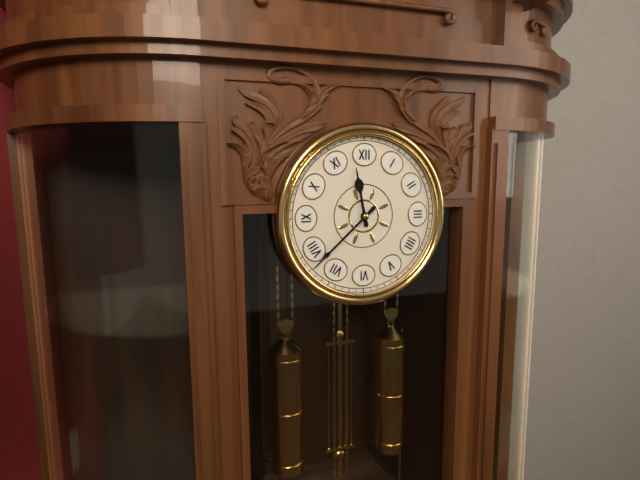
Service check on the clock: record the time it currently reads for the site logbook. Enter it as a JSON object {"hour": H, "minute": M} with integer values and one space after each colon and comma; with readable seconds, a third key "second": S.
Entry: {"hour": 11, "minute": 38}
